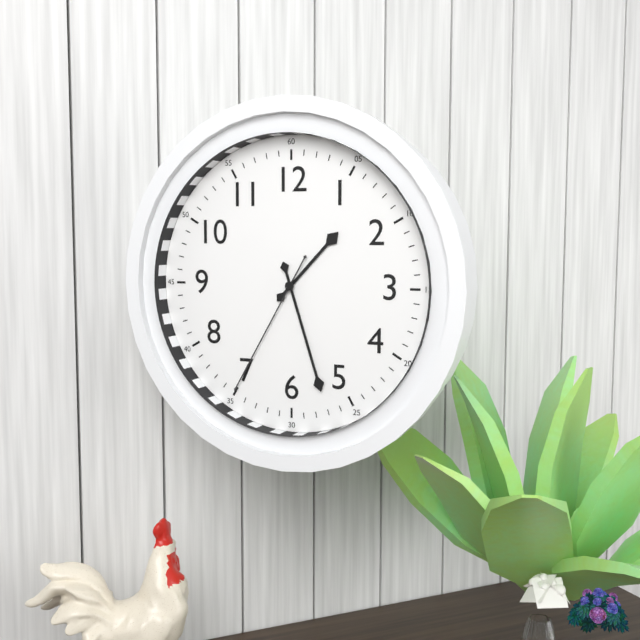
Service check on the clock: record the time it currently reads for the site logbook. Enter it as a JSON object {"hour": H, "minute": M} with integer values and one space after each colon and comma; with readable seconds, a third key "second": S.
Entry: {"hour": 1, "minute": 27, "second": 35}
